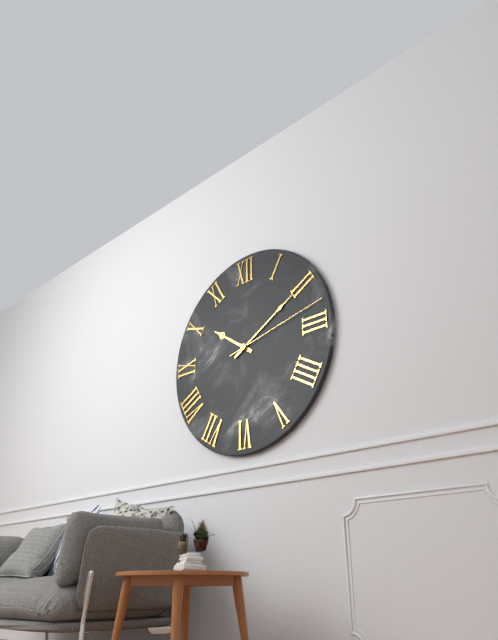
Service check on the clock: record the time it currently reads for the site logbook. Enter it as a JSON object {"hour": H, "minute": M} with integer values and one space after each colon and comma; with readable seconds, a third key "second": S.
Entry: {"hour": 10, "minute": 10, "second": 13}
